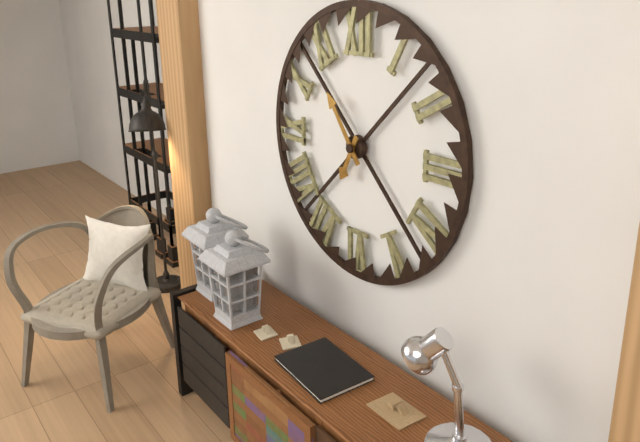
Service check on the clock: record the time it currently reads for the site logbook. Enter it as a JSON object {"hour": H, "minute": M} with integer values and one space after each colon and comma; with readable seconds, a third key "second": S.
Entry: {"hour": 6, "minute": 54}
